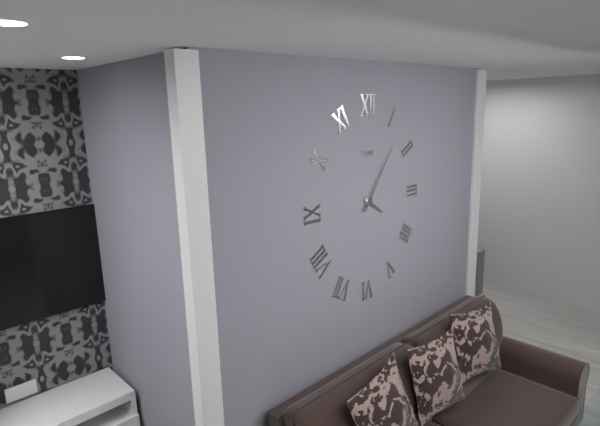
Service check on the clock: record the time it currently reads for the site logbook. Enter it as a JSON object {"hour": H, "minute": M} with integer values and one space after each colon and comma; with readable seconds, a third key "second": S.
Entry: {"hour": 4, "minute": 6}
